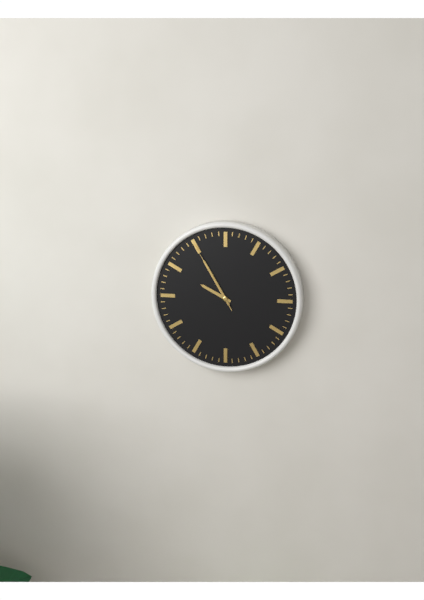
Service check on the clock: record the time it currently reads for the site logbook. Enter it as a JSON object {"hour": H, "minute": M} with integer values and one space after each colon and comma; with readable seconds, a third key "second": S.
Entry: {"hour": 9, "minute": 55, "second": 55}
